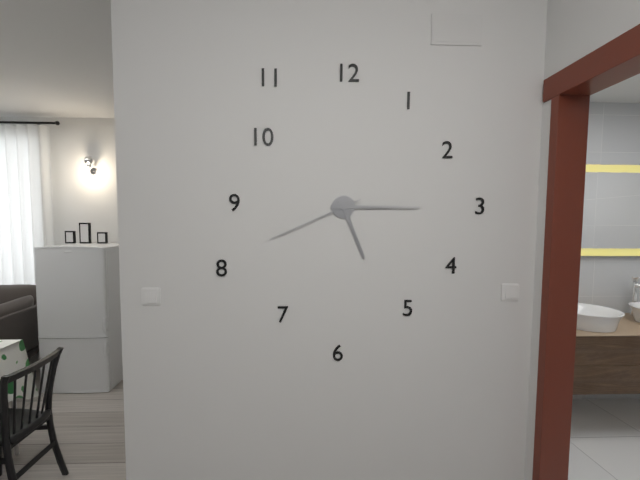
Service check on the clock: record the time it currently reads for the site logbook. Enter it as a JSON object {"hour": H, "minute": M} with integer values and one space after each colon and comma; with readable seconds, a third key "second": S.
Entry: {"hour": 5, "minute": 15, "second": 41}
